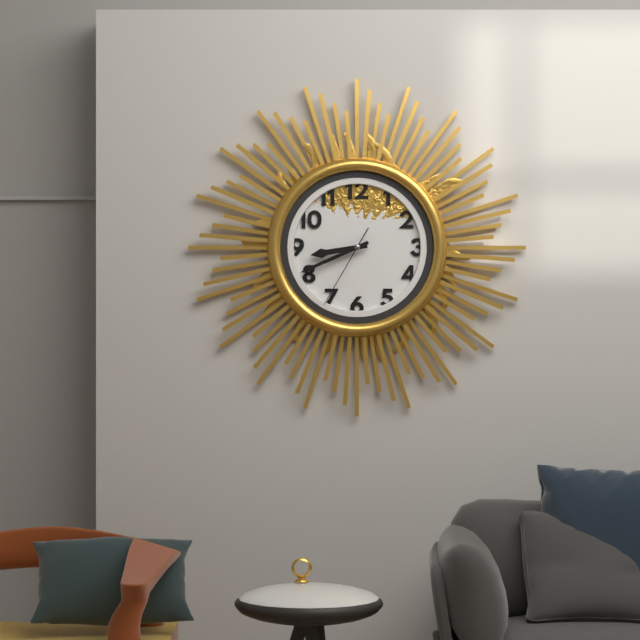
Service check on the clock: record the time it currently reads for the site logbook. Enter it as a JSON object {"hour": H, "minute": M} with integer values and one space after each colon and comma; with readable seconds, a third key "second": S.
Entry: {"hour": 8, "minute": 41, "second": 35}
